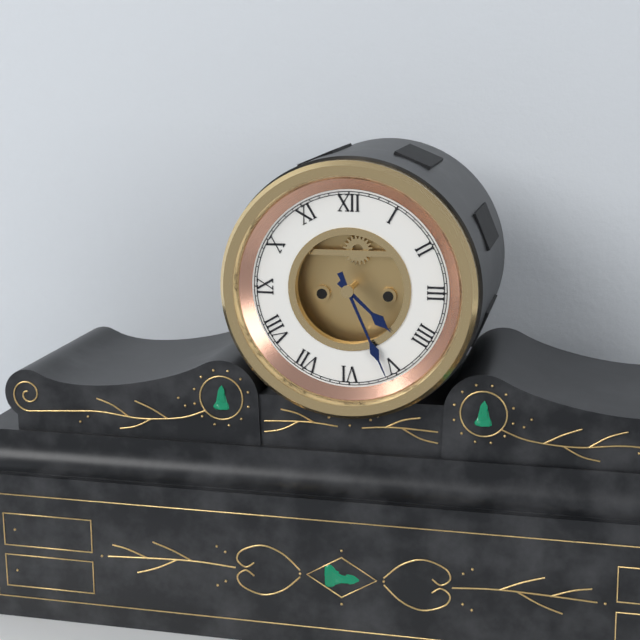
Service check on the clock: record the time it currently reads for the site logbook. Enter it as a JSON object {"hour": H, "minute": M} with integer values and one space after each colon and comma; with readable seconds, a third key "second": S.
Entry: {"hour": 4, "minute": 26}
